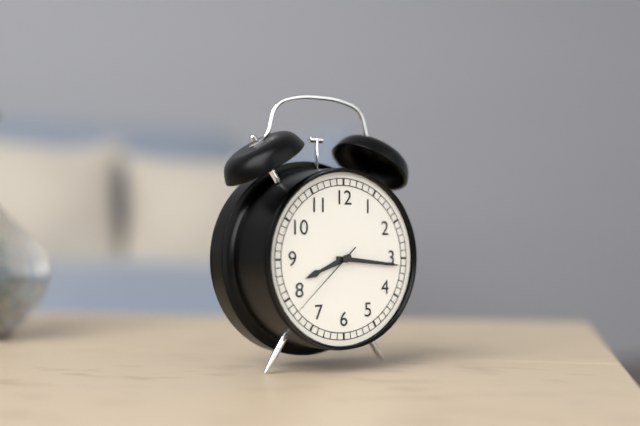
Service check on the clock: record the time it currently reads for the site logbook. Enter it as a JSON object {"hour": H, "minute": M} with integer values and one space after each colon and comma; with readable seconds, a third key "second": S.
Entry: {"hour": 8, "minute": 16, "second": 38}
